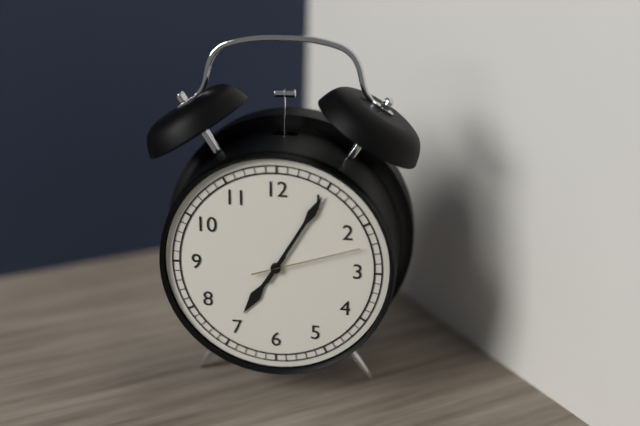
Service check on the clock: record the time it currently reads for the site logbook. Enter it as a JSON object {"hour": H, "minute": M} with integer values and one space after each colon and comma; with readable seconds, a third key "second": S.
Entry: {"hour": 7, "minute": 5, "second": 12}
